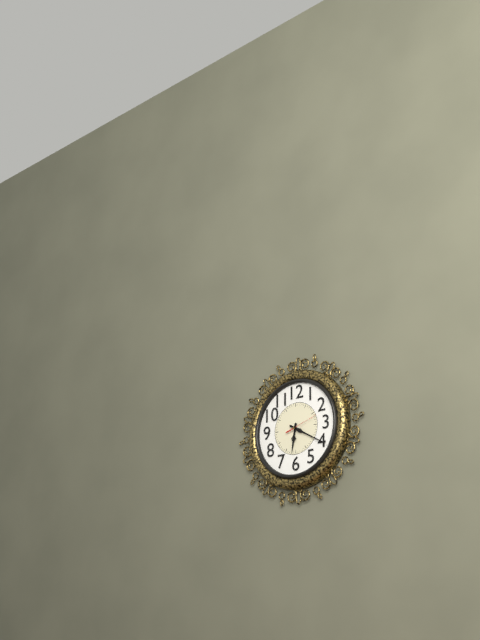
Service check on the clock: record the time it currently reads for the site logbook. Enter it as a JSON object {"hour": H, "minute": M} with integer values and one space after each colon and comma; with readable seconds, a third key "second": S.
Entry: {"hour": 6, "minute": 20}
